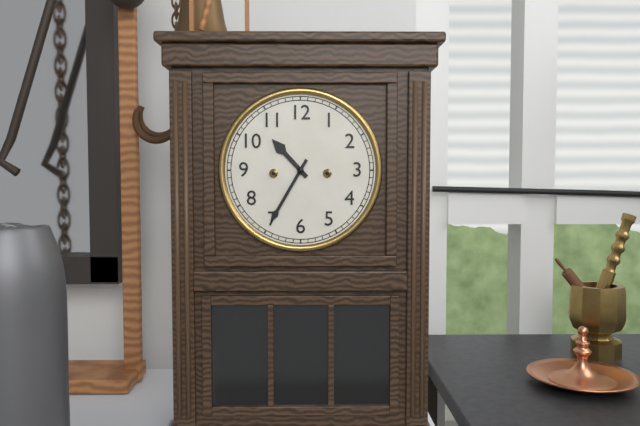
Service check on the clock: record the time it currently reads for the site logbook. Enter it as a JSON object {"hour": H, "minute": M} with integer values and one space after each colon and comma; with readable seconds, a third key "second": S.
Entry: {"hour": 10, "minute": 35}
